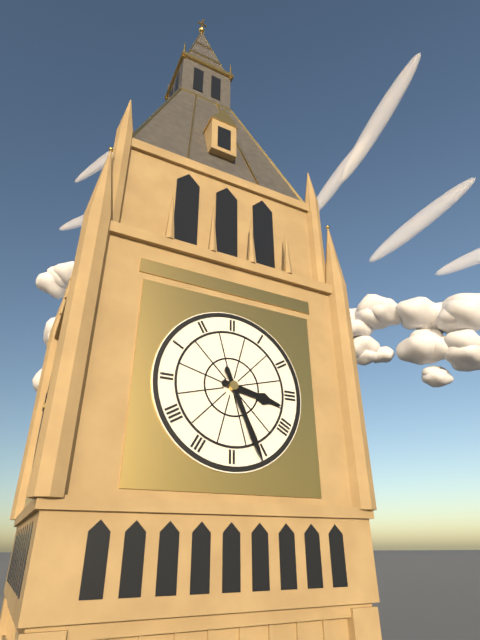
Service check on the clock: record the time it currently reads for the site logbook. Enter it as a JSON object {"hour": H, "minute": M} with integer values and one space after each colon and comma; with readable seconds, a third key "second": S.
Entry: {"hour": 3, "minute": 26}
